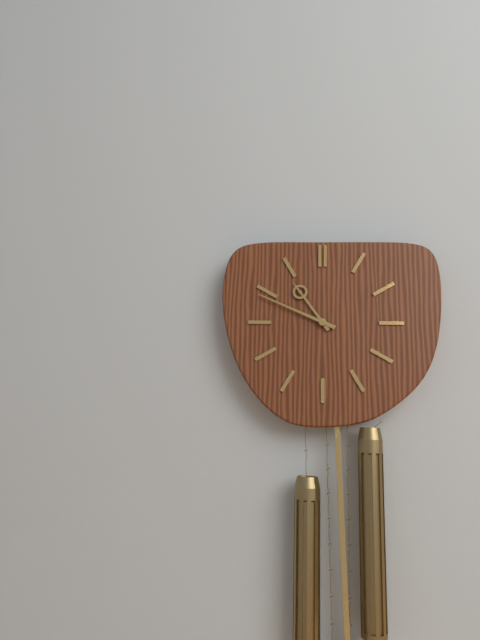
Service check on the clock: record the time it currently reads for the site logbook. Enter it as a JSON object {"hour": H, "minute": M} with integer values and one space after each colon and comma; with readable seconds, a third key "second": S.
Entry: {"hour": 10, "minute": 49}
